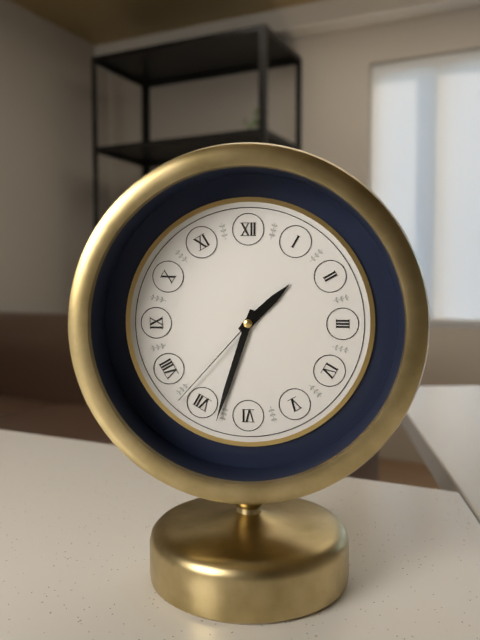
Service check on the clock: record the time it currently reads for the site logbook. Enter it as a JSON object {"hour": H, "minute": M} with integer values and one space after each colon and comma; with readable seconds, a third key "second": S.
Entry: {"hour": 1, "minute": 33, "second": 37}
